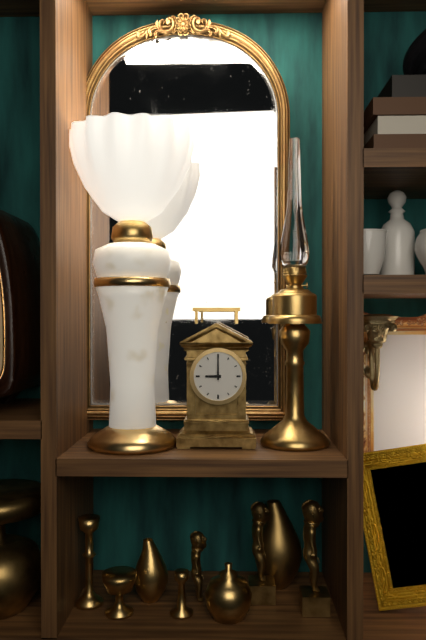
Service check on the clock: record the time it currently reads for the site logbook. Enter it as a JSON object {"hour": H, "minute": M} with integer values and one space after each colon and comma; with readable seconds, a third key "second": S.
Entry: {"hour": 9, "minute": 0}
